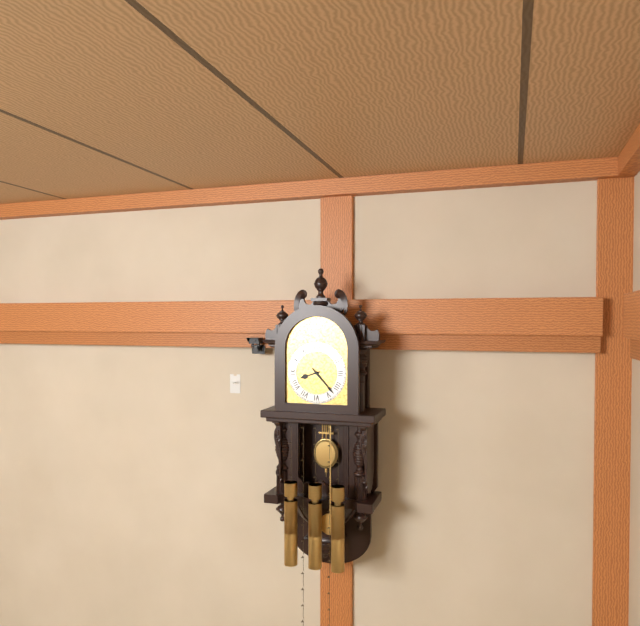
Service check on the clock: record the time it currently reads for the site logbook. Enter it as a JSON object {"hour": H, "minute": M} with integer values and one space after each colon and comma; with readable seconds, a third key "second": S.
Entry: {"hour": 8, "minute": 23}
